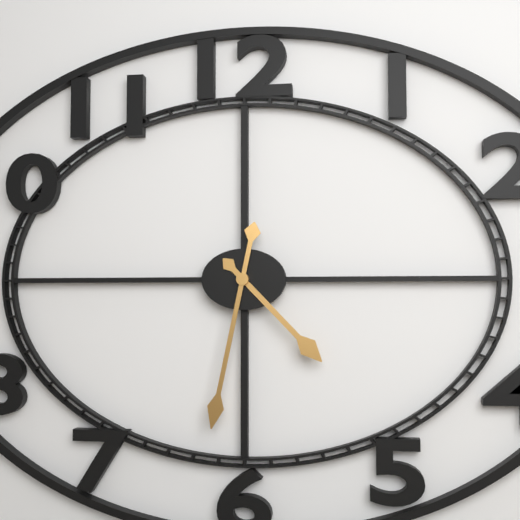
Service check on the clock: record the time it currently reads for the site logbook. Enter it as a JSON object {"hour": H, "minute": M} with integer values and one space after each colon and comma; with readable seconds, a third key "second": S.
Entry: {"hour": 4, "minute": 32}
